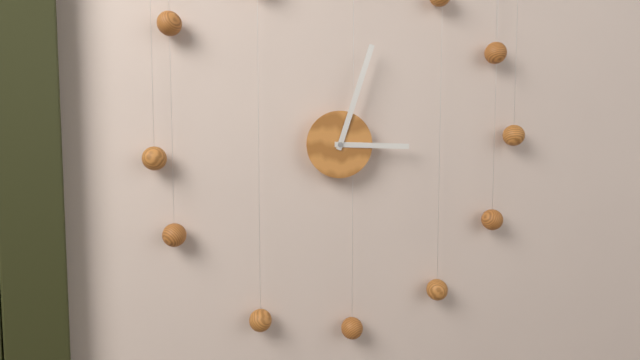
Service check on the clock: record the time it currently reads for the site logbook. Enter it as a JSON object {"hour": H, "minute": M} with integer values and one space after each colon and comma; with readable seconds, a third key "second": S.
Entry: {"hour": 3, "minute": 3}
